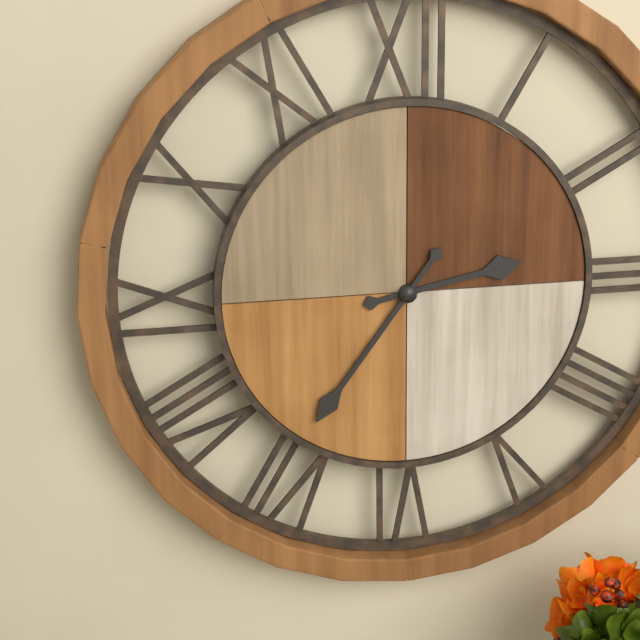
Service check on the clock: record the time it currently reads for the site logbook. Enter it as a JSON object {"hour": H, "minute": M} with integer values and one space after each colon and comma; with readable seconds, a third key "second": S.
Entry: {"hour": 2, "minute": 36}
